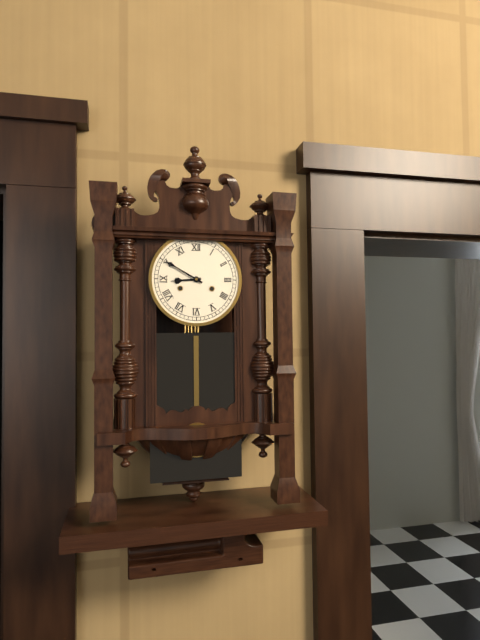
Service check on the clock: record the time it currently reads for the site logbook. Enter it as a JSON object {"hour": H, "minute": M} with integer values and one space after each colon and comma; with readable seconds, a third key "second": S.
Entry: {"hour": 8, "minute": 50}
